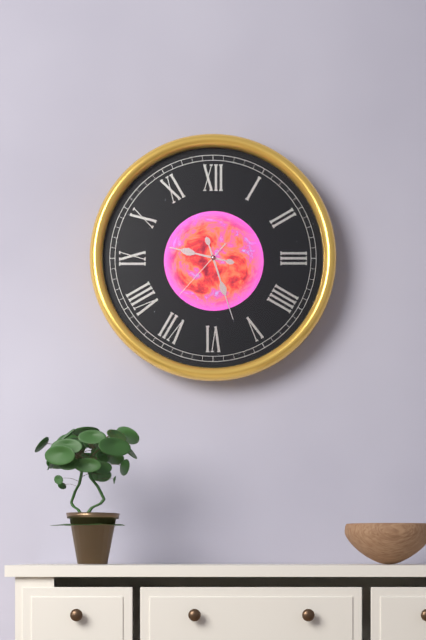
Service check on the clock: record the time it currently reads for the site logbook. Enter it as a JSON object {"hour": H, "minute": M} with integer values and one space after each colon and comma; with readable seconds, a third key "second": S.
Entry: {"hour": 9, "minute": 27, "second": 37}
